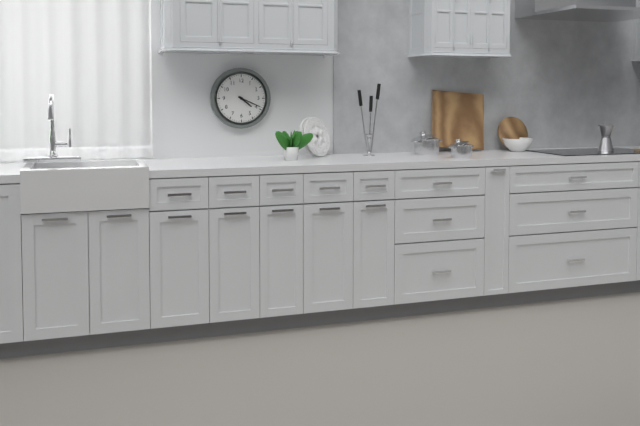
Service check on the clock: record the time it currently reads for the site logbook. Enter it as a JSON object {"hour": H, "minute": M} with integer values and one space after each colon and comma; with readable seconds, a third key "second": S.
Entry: {"hour": 4, "minute": 19}
